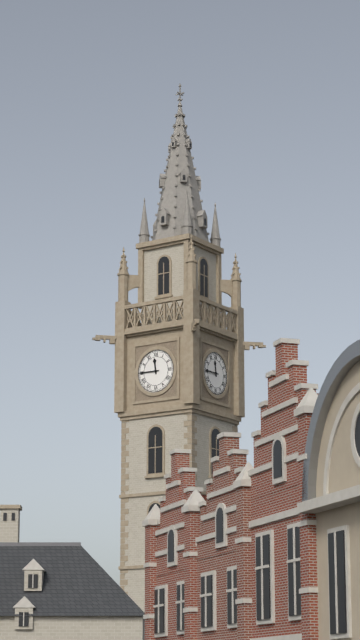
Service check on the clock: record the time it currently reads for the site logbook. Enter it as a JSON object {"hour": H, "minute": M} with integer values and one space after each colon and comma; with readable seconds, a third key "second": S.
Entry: {"hour": 11, "minute": 45}
